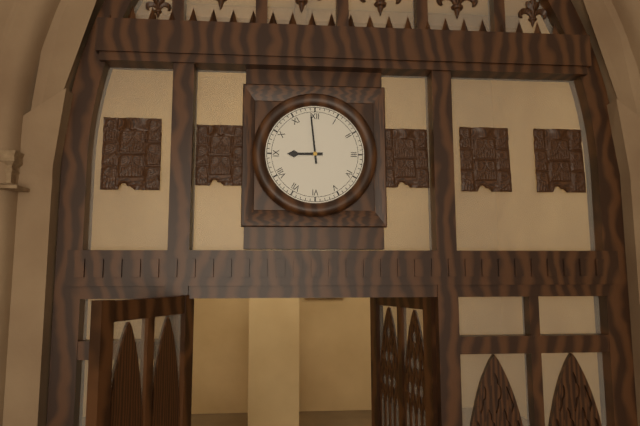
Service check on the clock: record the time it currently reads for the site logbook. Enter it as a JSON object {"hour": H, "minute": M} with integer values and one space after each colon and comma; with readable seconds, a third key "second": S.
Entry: {"hour": 8, "minute": 59}
